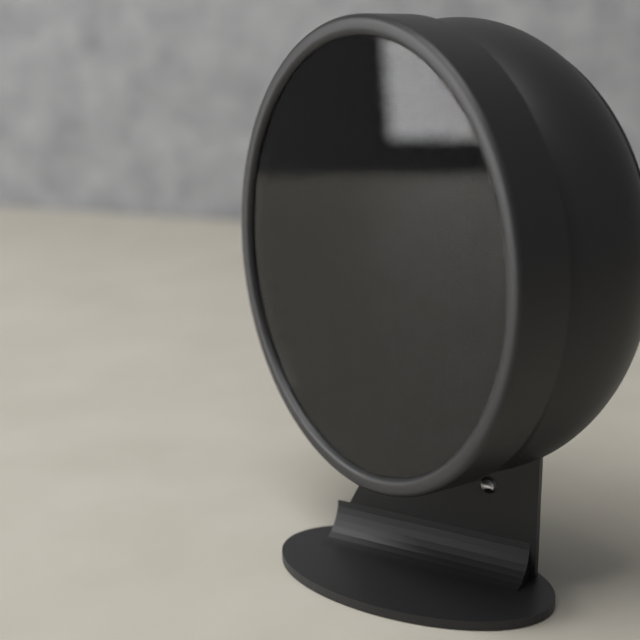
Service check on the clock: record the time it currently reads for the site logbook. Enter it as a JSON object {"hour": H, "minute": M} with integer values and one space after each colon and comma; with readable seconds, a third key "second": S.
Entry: {"hour": 4, "minute": 35, "second": 20}
